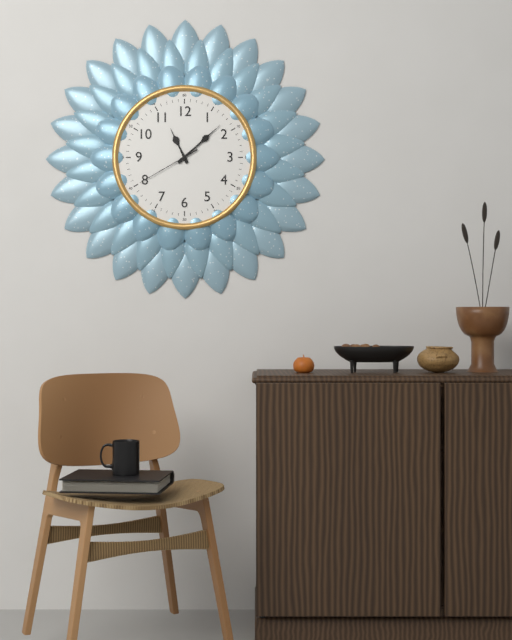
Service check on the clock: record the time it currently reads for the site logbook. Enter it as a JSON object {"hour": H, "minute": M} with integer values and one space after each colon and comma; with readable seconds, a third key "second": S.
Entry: {"hour": 11, "minute": 8, "second": 40}
